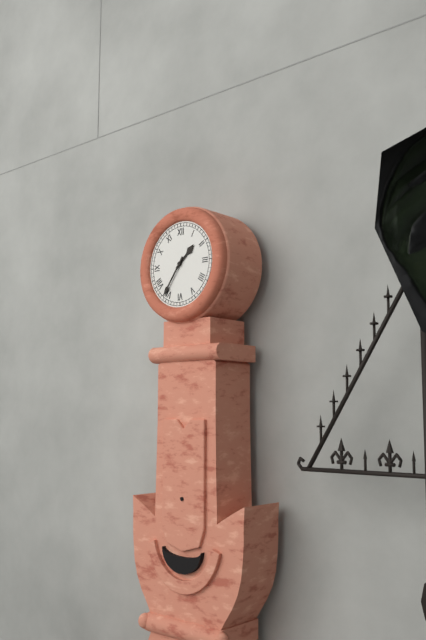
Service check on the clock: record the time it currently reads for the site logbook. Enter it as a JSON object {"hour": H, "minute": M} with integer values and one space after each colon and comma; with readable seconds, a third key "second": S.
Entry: {"hour": 1, "minute": 36}
